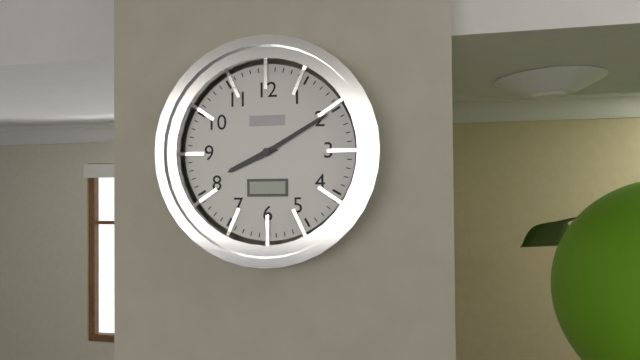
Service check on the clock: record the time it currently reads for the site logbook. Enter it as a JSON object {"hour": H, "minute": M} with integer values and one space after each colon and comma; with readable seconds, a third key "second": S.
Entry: {"hour": 8, "minute": 10}
